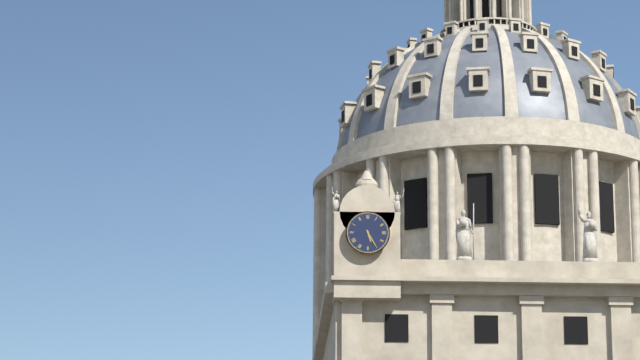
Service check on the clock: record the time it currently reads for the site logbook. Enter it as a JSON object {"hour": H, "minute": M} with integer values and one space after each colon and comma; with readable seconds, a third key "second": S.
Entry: {"hour": 5, "minute": 25}
